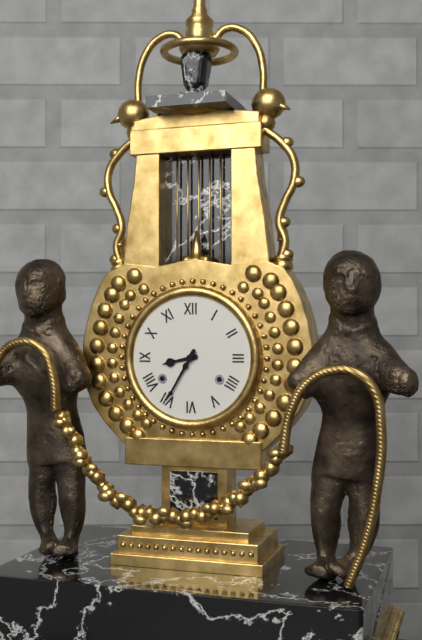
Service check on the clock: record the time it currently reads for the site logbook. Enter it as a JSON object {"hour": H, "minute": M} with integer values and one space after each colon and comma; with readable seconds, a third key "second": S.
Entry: {"hour": 8, "minute": 35}
